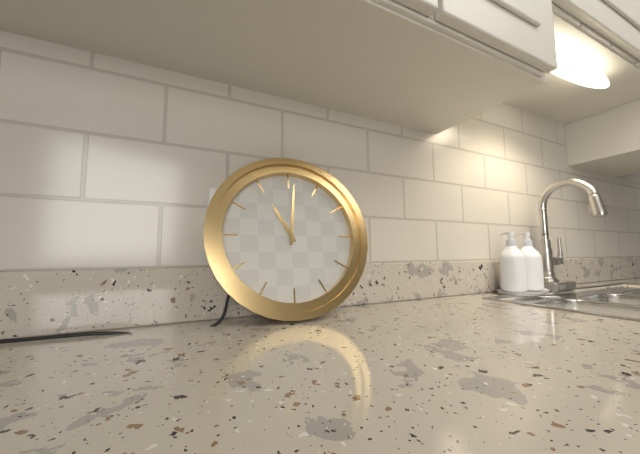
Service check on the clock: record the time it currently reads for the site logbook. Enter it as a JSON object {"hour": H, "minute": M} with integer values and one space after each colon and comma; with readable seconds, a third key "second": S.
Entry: {"hour": 11, "minute": 1}
